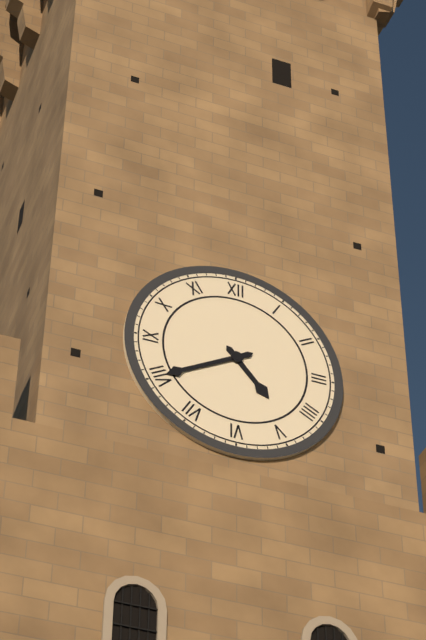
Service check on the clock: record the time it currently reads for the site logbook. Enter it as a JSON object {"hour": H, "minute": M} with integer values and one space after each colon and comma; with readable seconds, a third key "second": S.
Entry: {"hour": 4, "minute": 40}
